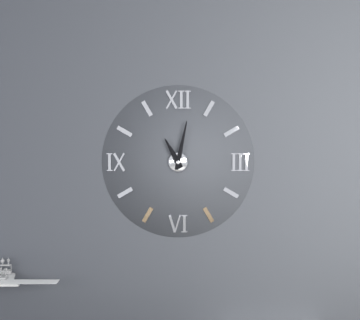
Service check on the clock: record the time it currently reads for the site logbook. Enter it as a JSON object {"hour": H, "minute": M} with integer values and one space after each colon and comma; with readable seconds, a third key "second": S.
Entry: {"hour": 11, "minute": 2}
